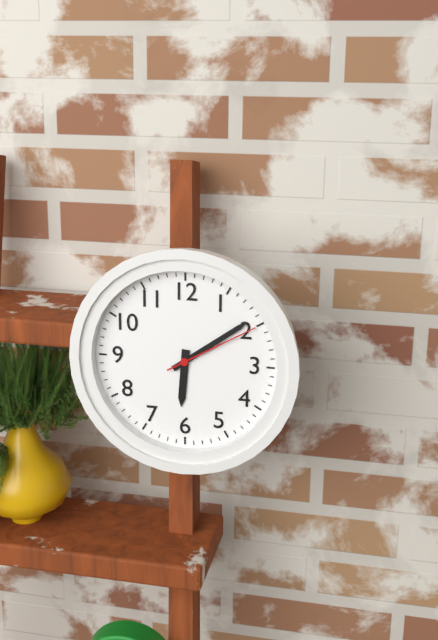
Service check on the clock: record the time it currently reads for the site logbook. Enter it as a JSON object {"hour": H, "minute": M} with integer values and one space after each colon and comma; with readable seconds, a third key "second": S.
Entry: {"hour": 6, "minute": 9, "second": 10}
